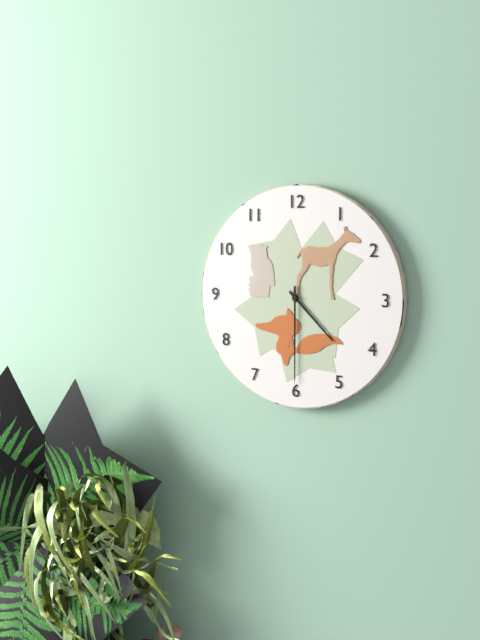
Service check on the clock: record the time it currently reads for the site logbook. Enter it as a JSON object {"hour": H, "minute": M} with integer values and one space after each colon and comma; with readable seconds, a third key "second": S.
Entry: {"hour": 4, "minute": 30}
